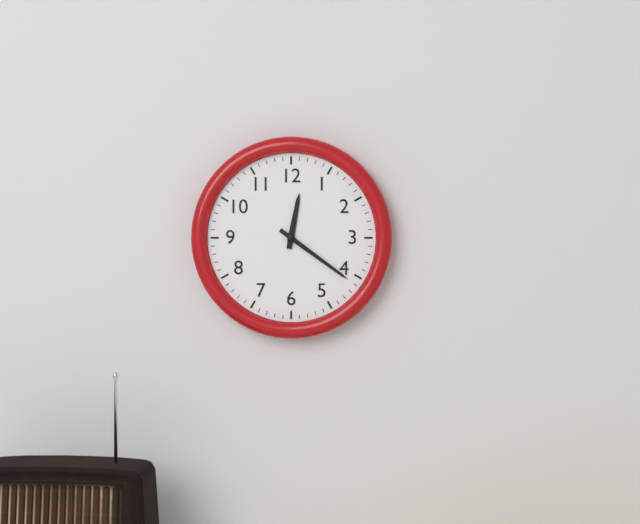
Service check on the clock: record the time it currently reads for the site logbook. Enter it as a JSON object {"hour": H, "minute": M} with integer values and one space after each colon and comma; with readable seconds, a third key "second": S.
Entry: {"hour": 12, "minute": 21}
